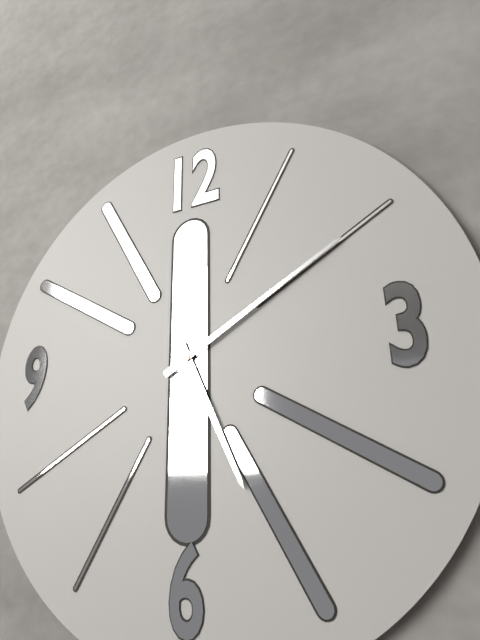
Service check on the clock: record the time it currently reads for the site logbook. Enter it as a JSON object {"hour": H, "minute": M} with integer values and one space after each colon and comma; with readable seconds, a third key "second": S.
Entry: {"hour": 5, "minute": 10}
